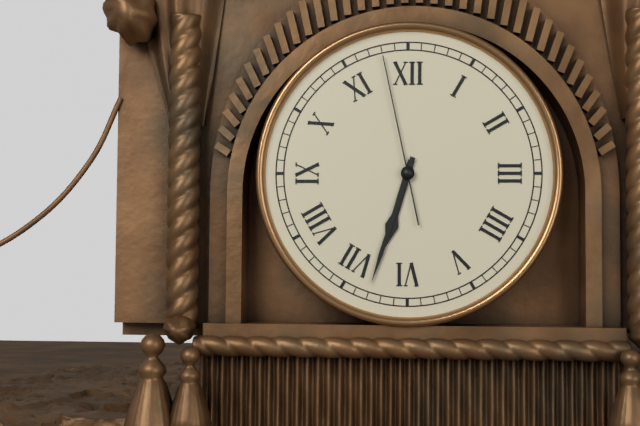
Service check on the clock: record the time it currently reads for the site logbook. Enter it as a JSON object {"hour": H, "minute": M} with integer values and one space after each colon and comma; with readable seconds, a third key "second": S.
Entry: {"hour": 6, "minute": 33, "second": 58}
